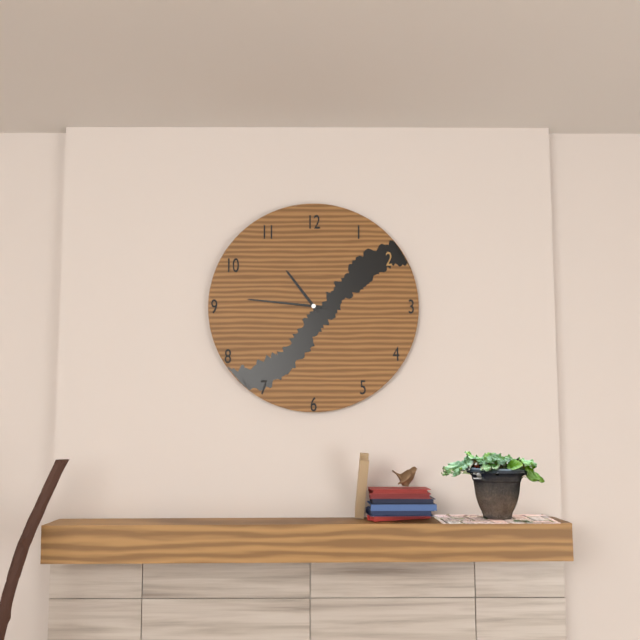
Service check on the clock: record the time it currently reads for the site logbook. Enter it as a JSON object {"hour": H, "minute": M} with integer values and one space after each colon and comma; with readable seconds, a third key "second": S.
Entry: {"hour": 10, "minute": 46}
